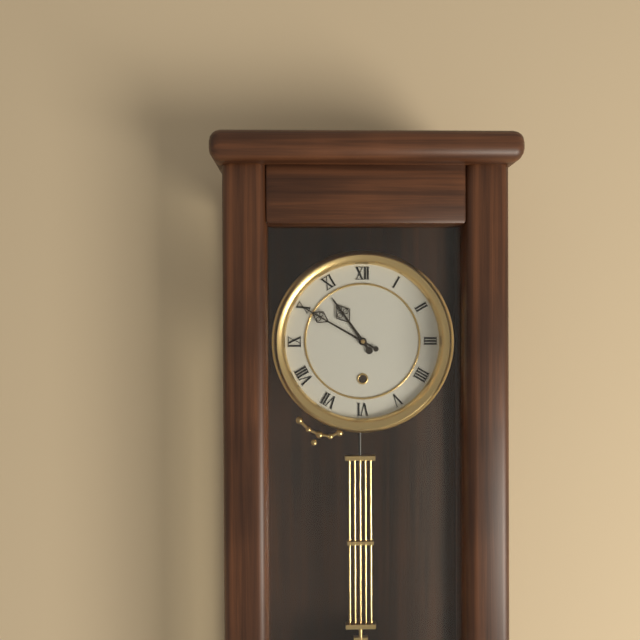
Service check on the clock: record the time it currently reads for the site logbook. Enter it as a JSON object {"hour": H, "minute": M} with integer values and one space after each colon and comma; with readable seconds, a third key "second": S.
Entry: {"hour": 10, "minute": 50}
